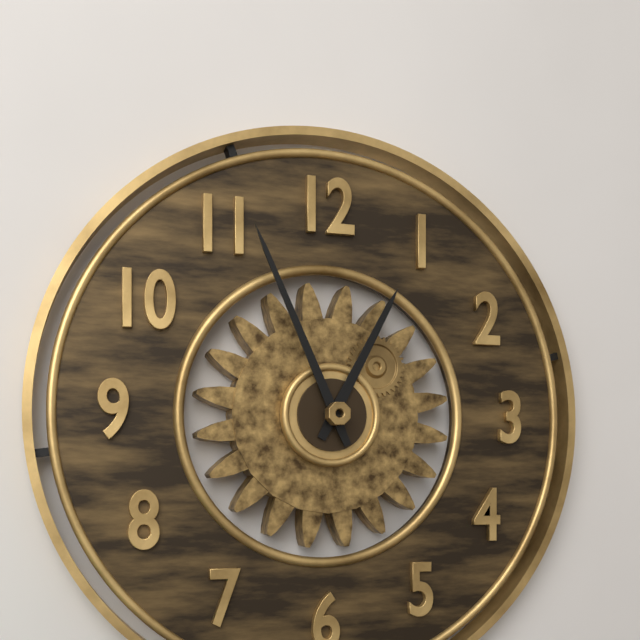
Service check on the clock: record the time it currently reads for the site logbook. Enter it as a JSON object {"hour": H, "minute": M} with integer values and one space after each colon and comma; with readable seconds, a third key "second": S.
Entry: {"hour": 12, "minute": 56}
